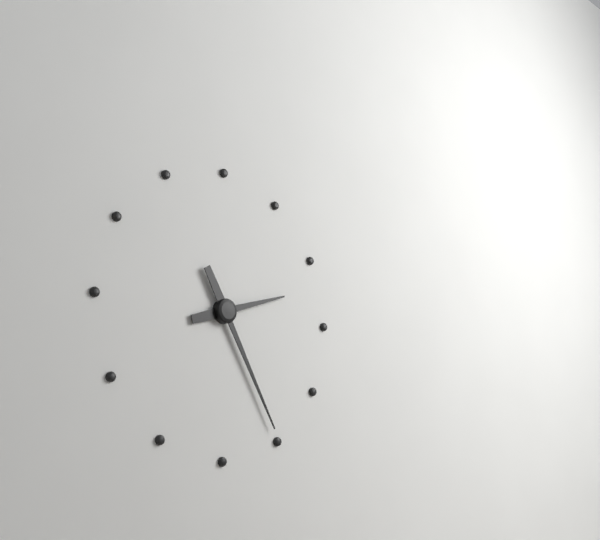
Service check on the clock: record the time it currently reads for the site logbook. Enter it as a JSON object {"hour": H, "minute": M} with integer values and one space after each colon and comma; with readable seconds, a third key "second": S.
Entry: {"hour": 2, "minute": 25}
